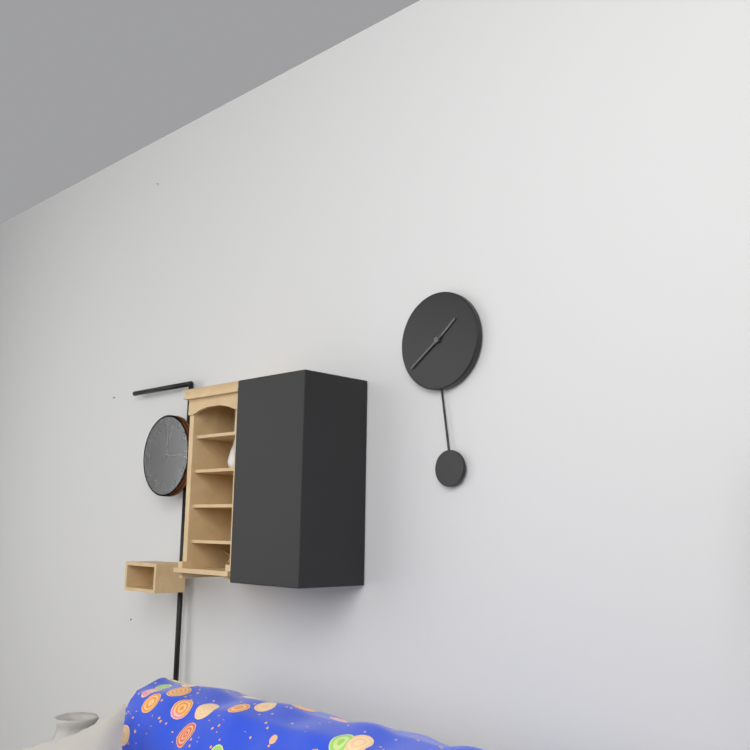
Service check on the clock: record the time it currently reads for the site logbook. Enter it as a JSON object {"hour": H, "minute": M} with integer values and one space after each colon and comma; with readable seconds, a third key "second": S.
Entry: {"hour": 1, "minute": 39}
